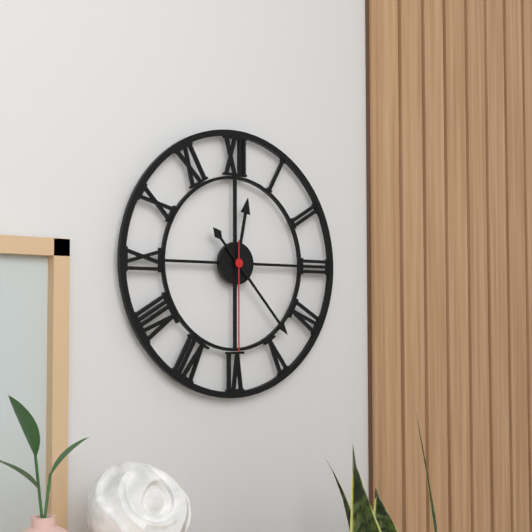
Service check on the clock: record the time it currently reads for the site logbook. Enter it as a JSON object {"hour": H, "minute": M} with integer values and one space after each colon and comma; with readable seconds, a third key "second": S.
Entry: {"hour": 12, "minute": 23, "second": 30}
